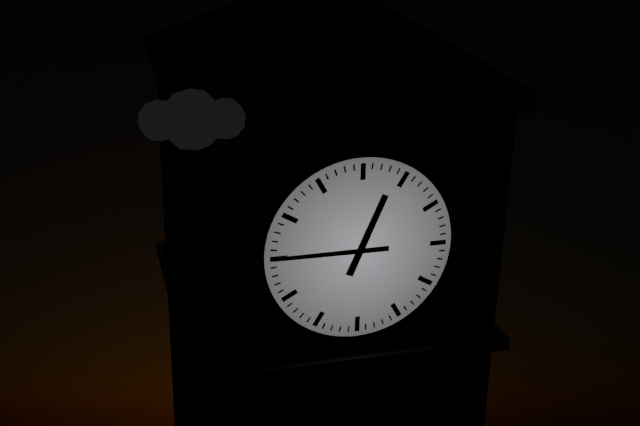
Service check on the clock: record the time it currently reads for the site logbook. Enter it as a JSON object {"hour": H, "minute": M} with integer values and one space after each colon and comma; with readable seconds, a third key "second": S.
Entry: {"hour": 12, "minute": 45}
